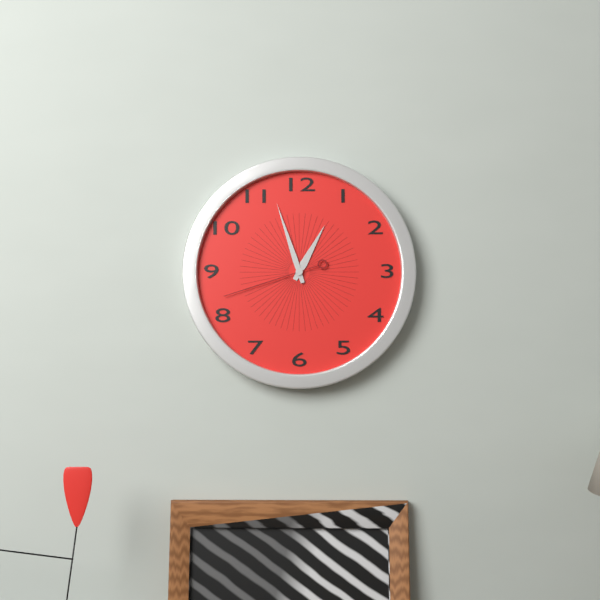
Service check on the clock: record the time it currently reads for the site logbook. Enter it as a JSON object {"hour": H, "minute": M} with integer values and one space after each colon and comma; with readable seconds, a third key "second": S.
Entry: {"hour": 12, "minute": 57, "second": 42}
